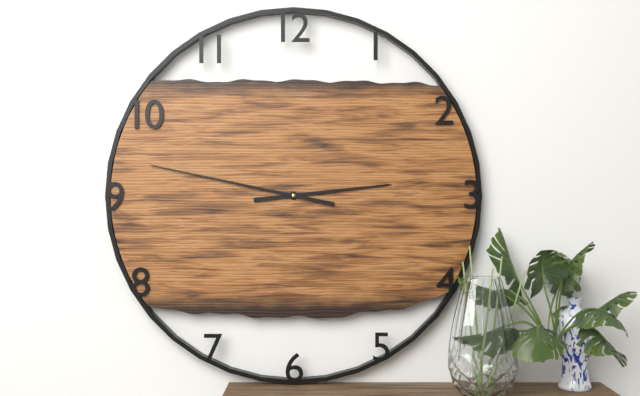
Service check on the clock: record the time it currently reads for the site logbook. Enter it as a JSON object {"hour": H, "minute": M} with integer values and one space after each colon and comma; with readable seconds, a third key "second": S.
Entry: {"hour": 2, "minute": 47}
